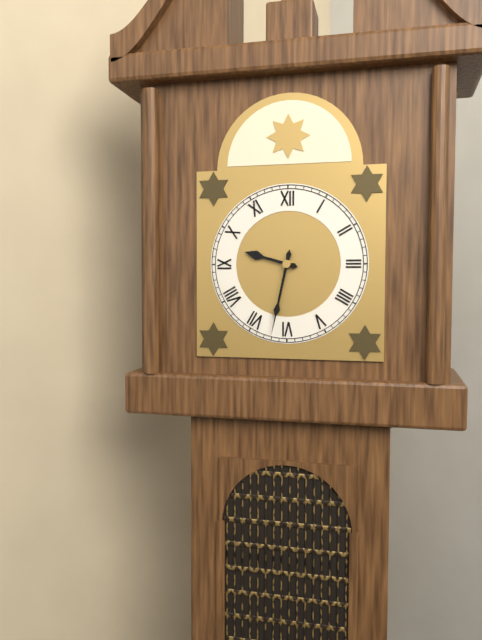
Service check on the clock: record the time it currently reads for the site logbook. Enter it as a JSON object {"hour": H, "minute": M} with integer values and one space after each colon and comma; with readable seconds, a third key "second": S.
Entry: {"hour": 9, "minute": 32}
